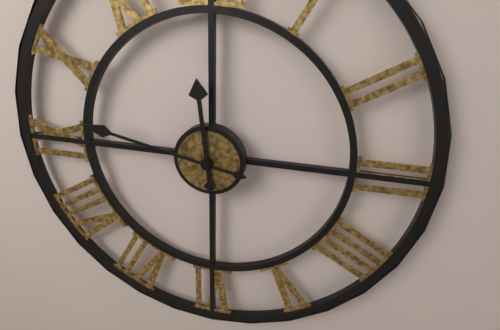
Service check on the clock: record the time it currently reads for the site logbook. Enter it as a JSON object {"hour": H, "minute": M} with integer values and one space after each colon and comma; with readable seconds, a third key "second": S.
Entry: {"hour": 11, "minute": 47}
